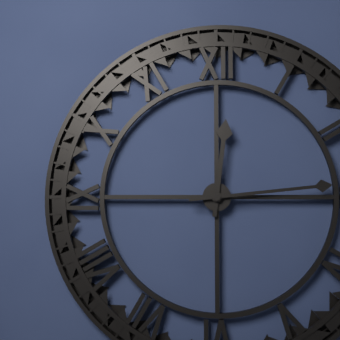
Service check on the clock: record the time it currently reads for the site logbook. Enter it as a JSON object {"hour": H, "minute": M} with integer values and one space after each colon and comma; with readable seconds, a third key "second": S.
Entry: {"hour": 12, "minute": 14}
